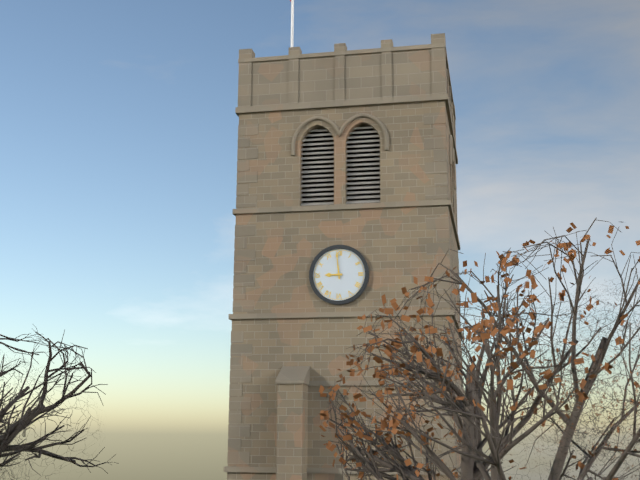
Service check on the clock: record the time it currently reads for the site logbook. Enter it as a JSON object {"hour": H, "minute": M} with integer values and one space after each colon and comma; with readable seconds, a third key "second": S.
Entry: {"hour": 8, "minute": 59}
